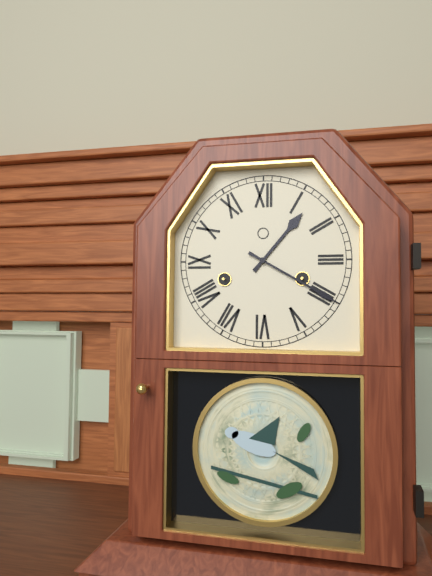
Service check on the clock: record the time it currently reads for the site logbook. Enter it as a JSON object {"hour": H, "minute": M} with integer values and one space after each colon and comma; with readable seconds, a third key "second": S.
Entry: {"hour": 1, "minute": 20}
